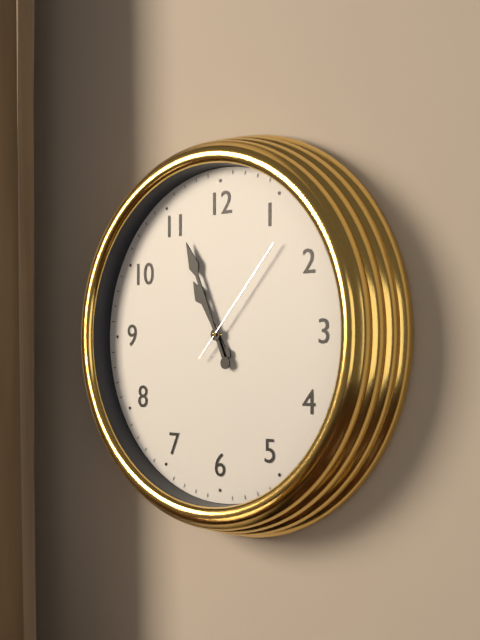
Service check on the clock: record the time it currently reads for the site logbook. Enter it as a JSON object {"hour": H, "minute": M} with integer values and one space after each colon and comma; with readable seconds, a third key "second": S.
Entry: {"hour": 10, "minute": 56, "second": 7}
